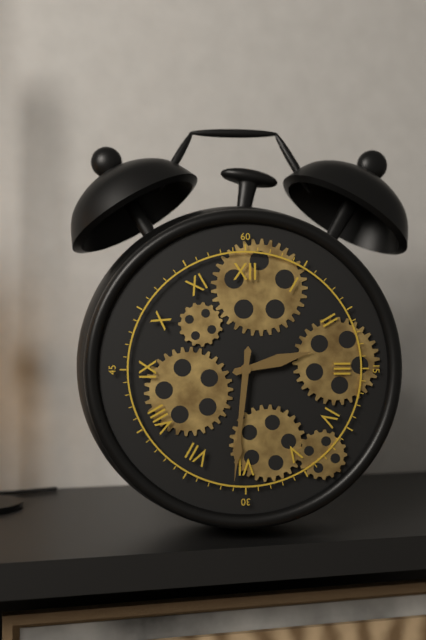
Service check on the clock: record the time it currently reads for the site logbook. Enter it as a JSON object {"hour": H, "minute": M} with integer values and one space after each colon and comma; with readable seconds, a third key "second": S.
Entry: {"hour": 2, "minute": 31}
